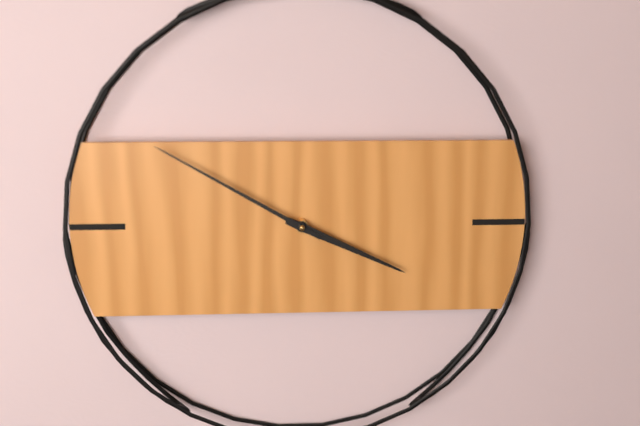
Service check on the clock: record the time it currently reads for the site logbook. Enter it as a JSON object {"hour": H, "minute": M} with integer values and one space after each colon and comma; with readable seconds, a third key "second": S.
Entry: {"hour": 3, "minute": 50}
